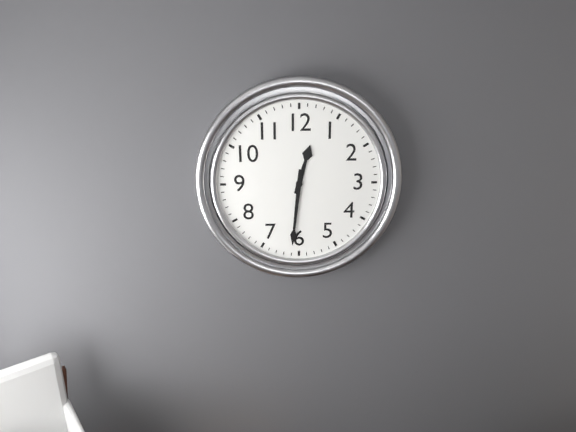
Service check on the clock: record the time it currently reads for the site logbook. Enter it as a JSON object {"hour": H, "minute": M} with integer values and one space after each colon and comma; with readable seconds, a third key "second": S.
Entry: {"hour": 12, "minute": 31}
